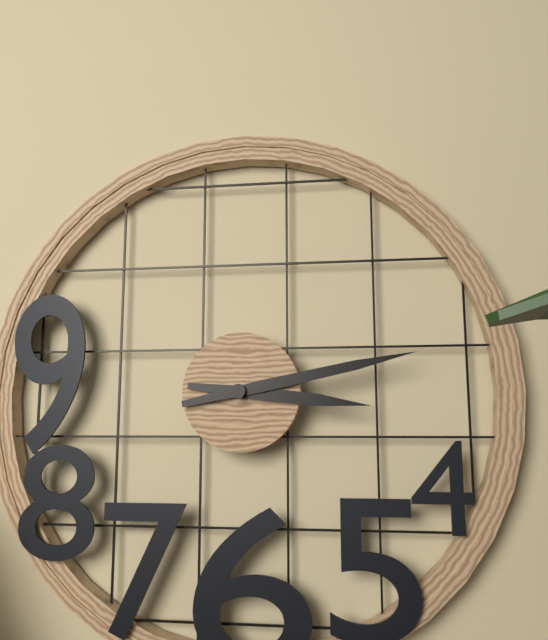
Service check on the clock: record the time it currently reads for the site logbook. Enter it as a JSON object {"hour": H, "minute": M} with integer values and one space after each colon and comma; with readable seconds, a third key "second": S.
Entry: {"hour": 3, "minute": 13}
